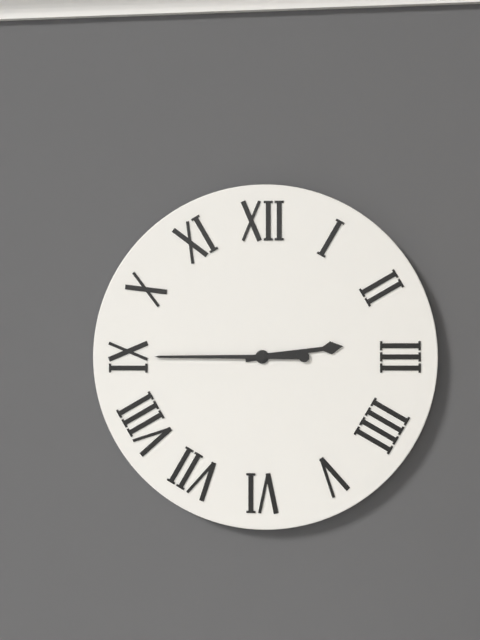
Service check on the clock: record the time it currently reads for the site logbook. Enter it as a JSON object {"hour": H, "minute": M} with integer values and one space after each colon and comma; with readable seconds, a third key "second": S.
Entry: {"hour": 2, "minute": 45}
